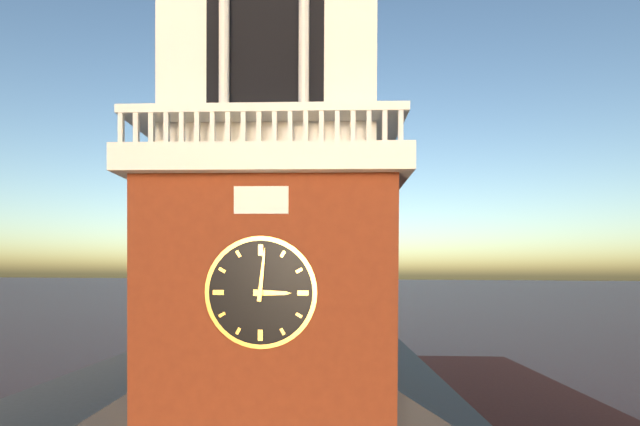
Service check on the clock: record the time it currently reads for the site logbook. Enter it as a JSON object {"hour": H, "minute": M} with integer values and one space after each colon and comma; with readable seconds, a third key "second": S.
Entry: {"hour": 3, "minute": 1}
